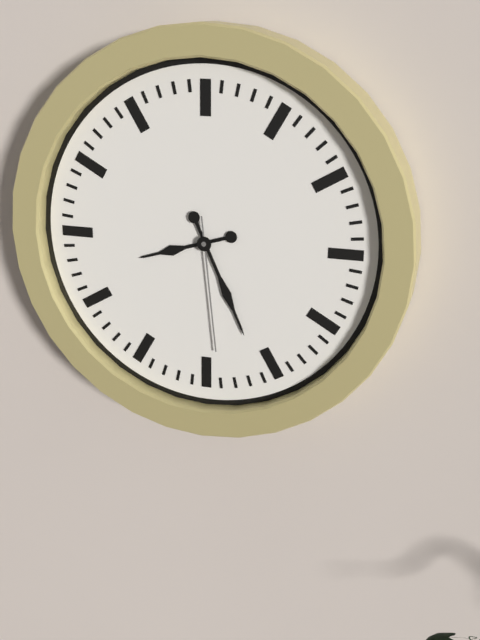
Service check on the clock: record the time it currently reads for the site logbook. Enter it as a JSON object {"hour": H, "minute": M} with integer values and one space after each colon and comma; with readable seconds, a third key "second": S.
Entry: {"hour": 8, "minute": 26, "second": 29}
